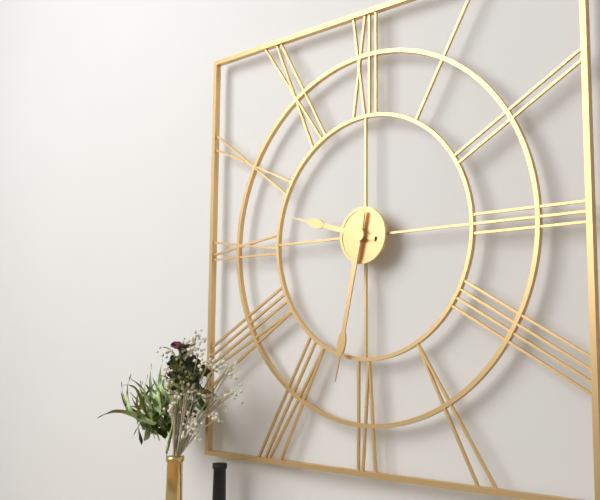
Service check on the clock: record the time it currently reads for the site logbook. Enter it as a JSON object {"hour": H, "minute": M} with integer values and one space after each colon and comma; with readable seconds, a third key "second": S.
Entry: {"hour": 9, "minute": 32}
